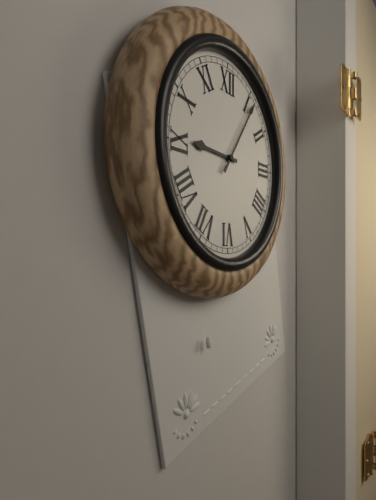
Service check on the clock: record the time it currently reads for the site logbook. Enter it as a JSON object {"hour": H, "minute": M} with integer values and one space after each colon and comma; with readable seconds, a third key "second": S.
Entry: {"hour": 9, "minute": 6}
